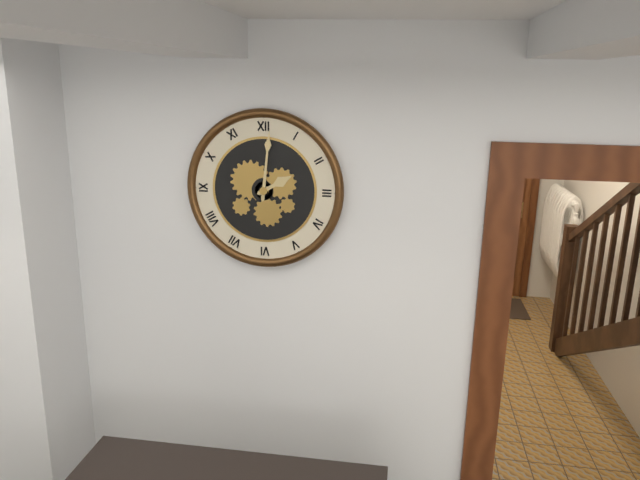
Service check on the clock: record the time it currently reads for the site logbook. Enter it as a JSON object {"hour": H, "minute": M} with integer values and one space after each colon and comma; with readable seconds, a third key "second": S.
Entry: {"hour": 2, "minute": 1}
